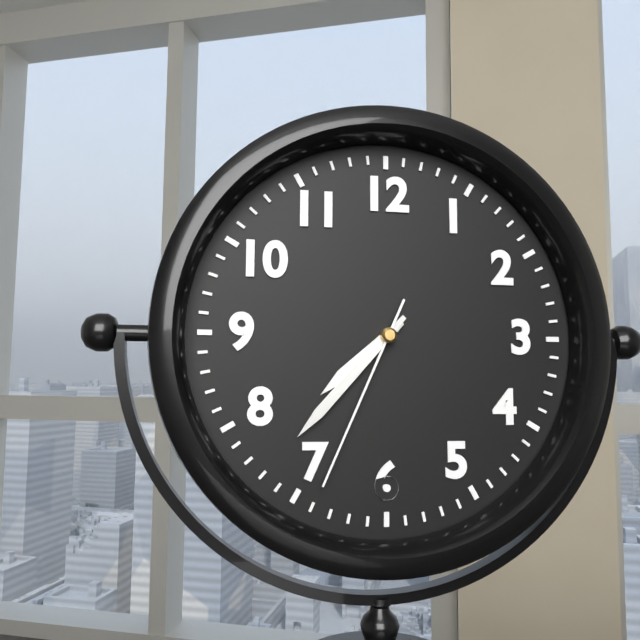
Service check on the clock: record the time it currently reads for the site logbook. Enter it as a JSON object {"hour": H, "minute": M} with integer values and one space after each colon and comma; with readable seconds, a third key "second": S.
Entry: {"hour": 7, "minute": 37, "second": 34}
